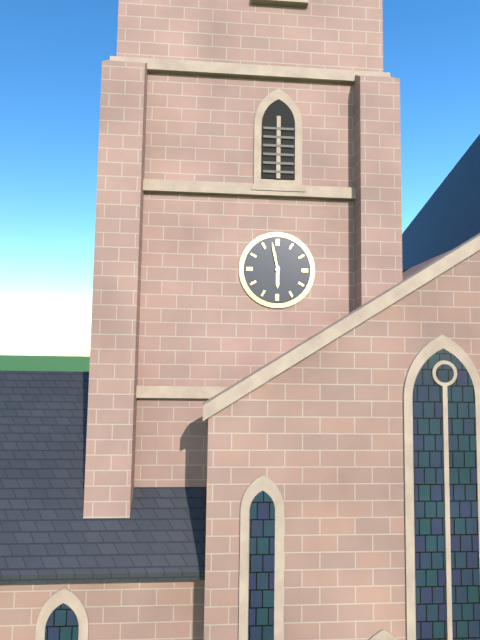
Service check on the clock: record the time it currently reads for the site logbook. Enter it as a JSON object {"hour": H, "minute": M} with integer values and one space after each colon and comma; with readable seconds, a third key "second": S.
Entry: {"hour": 5, "minute": 58}
